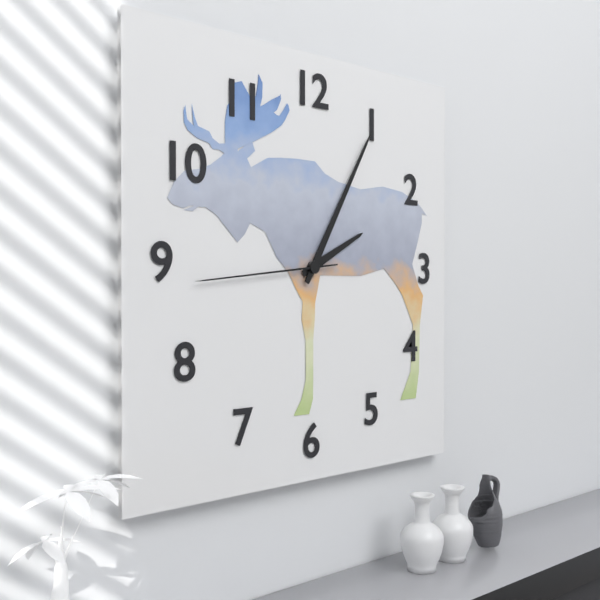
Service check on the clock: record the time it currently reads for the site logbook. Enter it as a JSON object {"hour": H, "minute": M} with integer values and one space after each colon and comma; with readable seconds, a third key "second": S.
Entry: {"hour": 2, "minute": 5, "second": 44}
